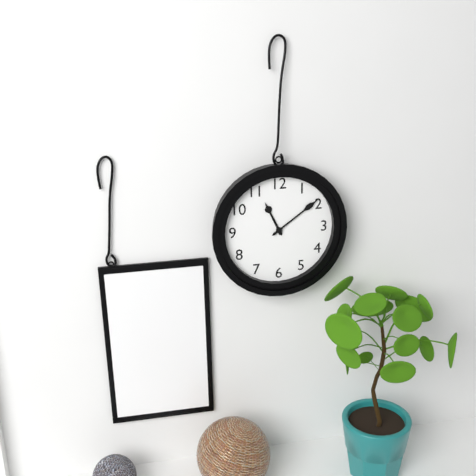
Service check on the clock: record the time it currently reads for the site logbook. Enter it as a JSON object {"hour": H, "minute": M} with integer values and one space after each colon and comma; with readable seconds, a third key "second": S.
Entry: {"hour": 11, "minute": 9}
